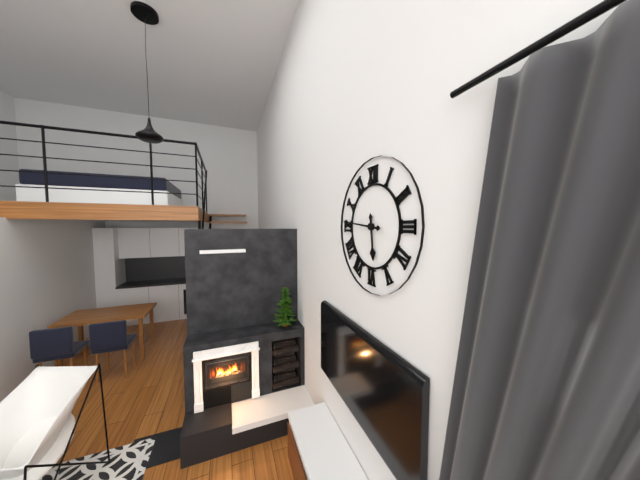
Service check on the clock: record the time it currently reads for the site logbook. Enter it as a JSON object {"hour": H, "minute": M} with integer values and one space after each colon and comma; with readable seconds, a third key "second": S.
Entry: {"hour": 5, "minute": 46}
